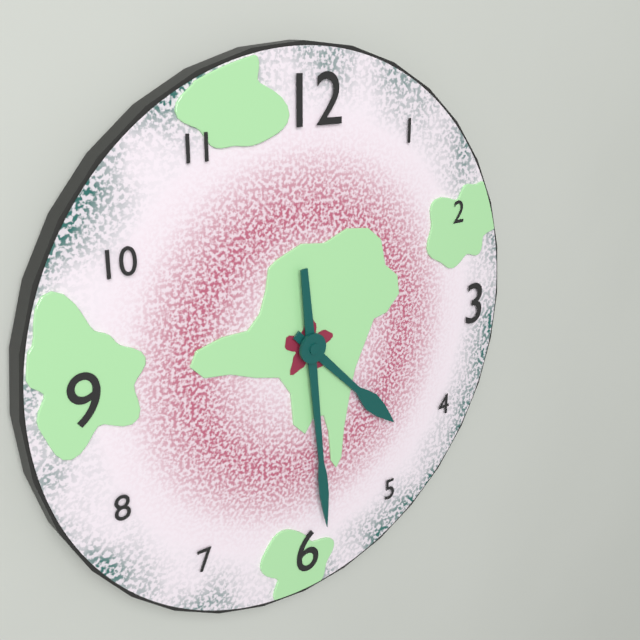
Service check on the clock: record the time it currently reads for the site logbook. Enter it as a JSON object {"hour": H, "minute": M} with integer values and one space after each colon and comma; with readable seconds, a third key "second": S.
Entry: {"hour": 4, "minute": 29}
